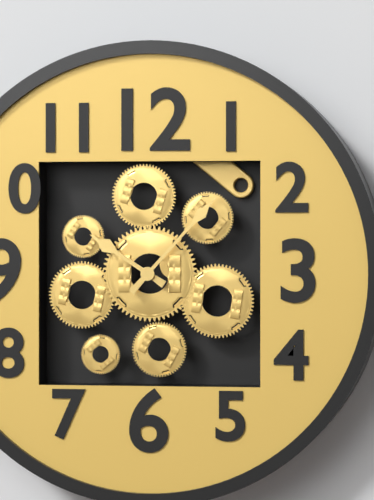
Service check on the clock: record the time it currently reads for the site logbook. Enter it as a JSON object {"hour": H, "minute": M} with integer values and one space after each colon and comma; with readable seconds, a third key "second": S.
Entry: {"hour": 10, "minute": 7}
